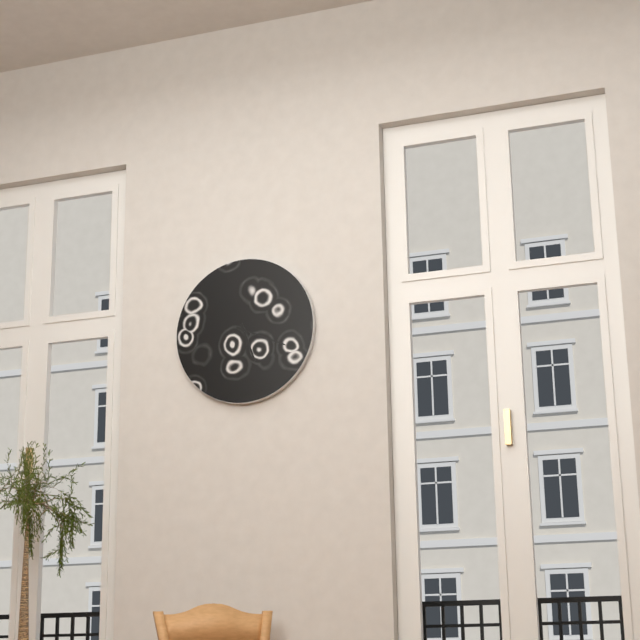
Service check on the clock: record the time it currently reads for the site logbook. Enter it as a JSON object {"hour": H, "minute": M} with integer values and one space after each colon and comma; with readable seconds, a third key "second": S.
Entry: {"hour": 5, "minute": 19}
